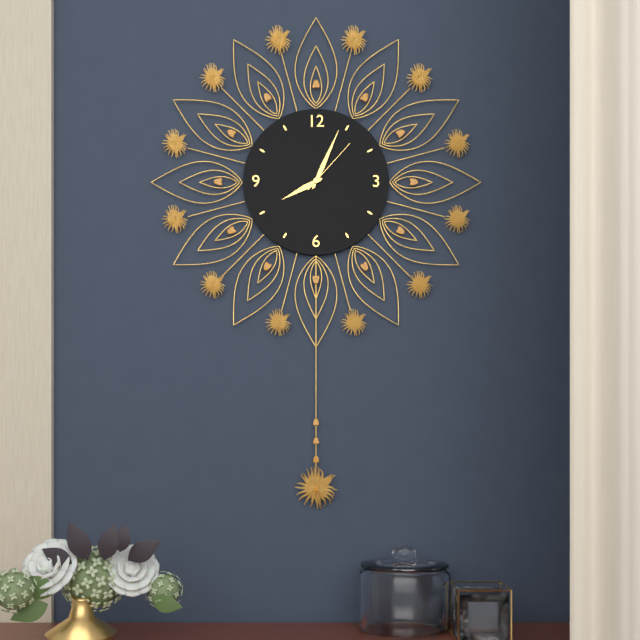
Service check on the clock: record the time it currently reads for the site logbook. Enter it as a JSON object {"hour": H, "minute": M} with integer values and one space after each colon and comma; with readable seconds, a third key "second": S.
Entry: {"hour": 8, "minute": 4, "second": 7}
